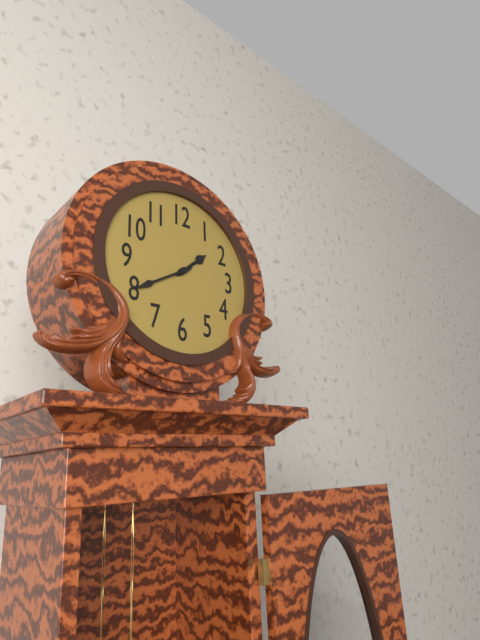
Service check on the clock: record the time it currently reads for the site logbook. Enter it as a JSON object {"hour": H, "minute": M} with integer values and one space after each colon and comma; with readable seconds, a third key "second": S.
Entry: {"hour": 1, "minute": 40}
